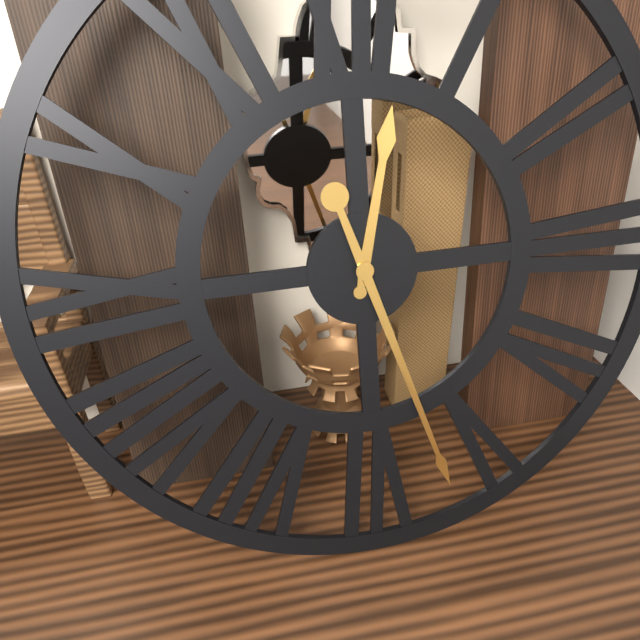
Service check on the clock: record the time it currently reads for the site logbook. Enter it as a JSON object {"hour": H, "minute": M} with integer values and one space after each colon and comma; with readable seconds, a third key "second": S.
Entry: {"hour": 12, "minute": 27}
